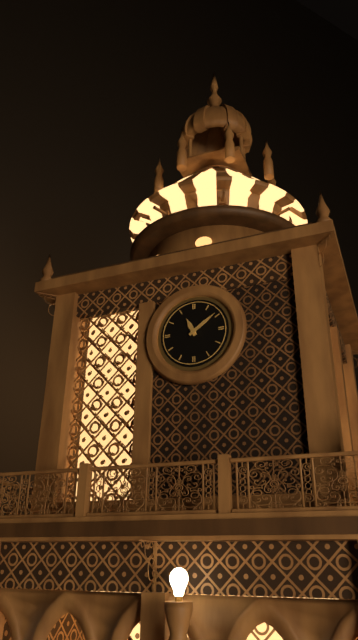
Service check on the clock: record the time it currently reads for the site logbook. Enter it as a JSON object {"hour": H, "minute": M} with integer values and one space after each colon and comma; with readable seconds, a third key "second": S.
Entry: {"hour": 11, "minute": 9}
